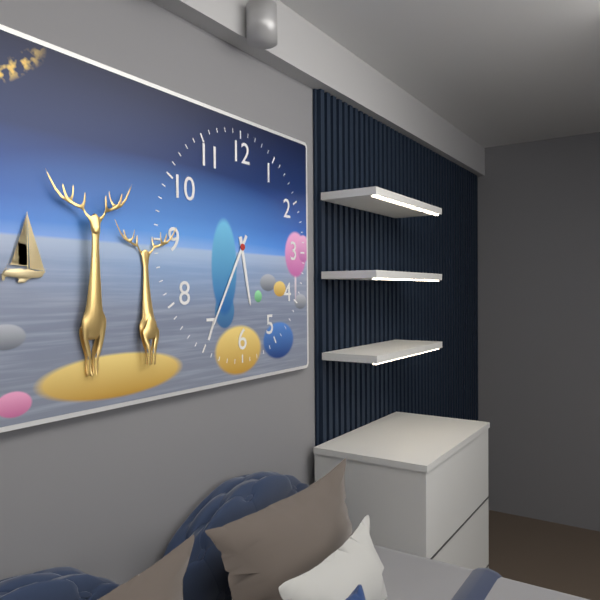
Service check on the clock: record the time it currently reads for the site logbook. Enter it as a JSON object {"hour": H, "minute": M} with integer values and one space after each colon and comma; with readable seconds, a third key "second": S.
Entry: {"hour": 5, "minute": 35}
